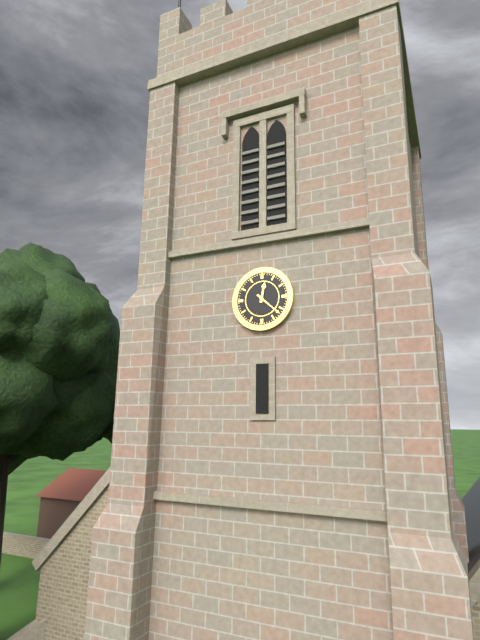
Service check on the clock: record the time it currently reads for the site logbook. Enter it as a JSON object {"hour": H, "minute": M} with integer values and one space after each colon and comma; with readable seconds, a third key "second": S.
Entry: {"hour": 12, "minute": 22}
